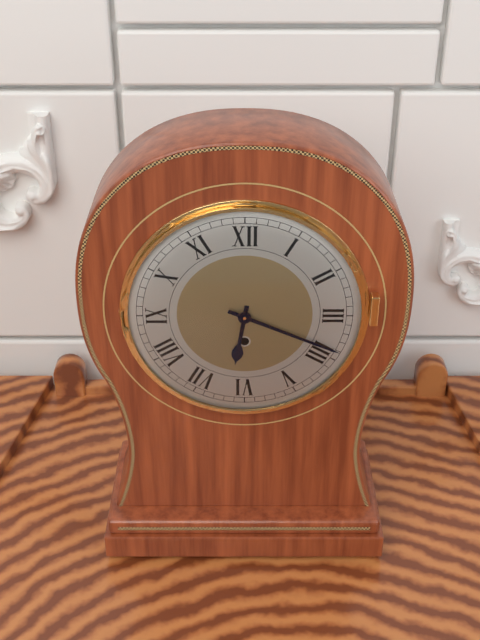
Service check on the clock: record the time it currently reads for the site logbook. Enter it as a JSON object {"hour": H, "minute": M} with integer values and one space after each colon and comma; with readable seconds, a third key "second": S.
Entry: {"hour": 6, "minute": 19}
